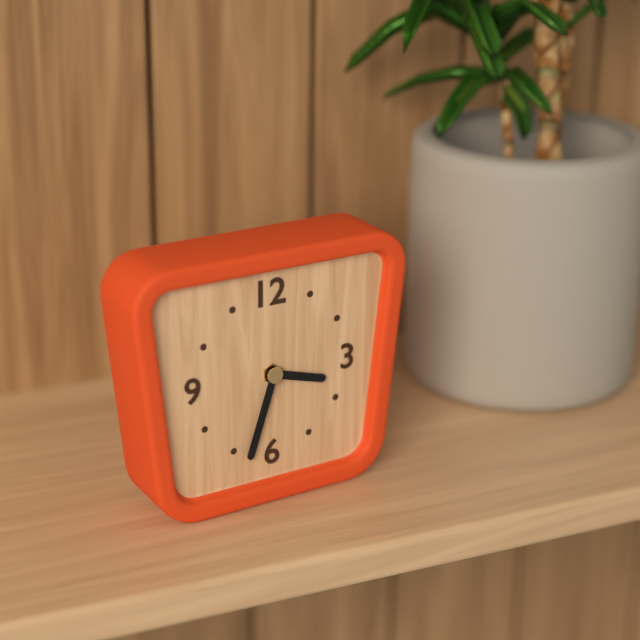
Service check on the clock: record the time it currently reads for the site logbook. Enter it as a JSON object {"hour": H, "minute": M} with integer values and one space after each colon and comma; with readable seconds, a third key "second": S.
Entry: {"hour": 3, "minute": 33}
